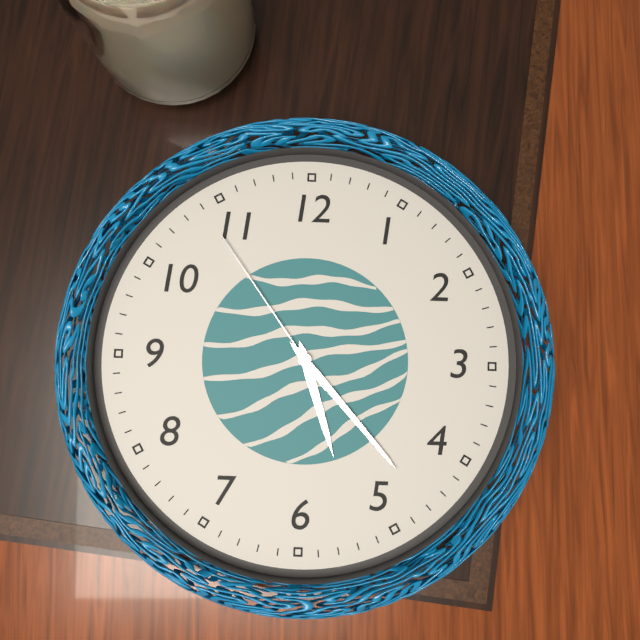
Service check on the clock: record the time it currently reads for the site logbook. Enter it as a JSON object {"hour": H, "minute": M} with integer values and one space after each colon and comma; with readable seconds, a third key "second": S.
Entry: {"hour": 5, "minute": 23, "second": 54}
